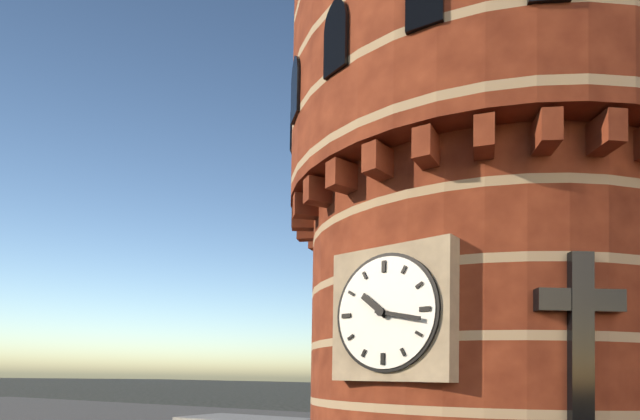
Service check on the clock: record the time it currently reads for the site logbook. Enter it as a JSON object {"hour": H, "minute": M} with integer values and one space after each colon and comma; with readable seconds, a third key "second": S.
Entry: {"hour": 10, "minute": 17}
